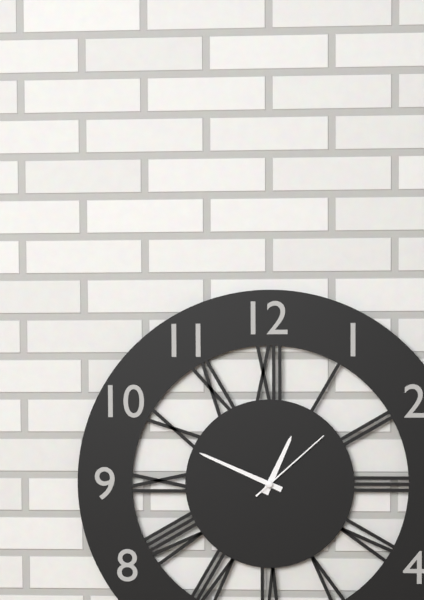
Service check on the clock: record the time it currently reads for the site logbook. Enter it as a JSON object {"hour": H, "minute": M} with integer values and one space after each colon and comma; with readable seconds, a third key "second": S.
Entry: {"hour": 12, "minute": 49, "second": 8}
